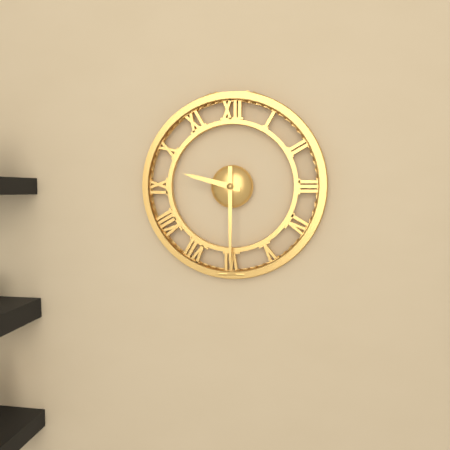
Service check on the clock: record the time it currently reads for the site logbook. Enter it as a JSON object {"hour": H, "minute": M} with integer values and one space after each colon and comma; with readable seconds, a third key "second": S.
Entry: {"hour": 9, "minute": 30}
